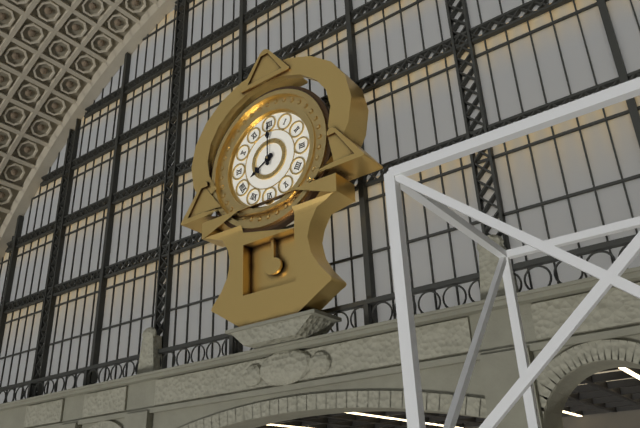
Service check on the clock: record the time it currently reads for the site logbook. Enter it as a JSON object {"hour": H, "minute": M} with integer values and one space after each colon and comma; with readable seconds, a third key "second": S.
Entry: {"hour": 8, "minute": 0}
